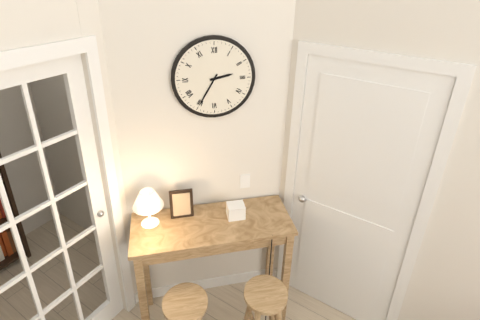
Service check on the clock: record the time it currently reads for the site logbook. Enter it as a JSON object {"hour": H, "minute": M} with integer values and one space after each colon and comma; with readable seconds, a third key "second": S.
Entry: {"hour": 2, "minute": 35}
